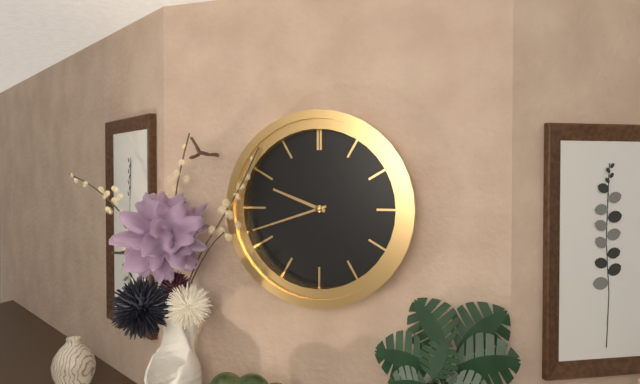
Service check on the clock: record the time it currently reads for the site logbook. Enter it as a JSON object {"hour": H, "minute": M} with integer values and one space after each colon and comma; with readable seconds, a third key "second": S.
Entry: {"hour": 9, "minute": 42}
